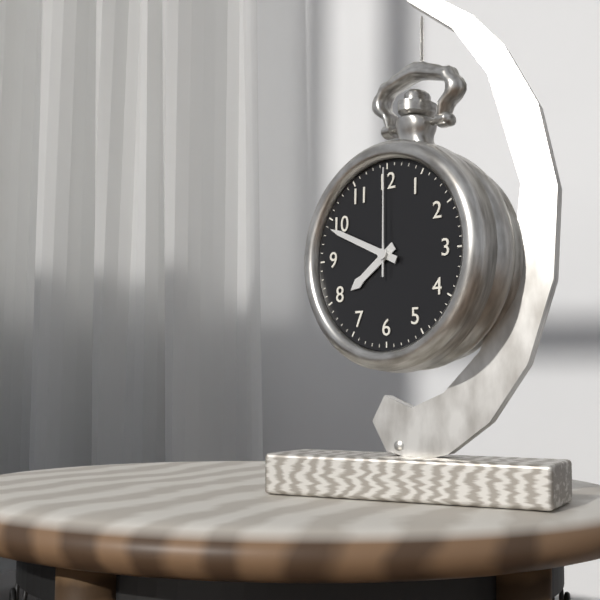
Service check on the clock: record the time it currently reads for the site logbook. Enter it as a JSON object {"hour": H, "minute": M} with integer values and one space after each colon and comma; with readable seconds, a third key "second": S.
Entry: {"hour": 7, "minute": 49, "second": 0}
